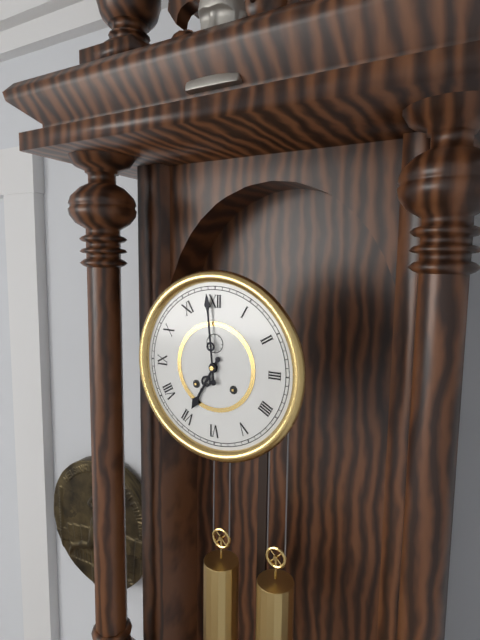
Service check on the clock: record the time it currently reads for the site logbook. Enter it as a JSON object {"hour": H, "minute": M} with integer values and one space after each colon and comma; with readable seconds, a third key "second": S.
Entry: {"hour": 6, "minute": 59}
